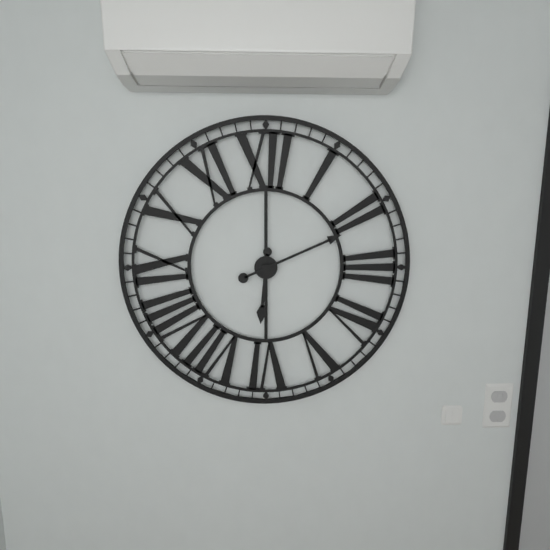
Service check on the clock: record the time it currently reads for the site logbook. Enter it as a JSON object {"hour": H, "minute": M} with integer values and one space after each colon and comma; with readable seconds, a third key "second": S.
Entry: {"hour": 6, "minute": 11}
